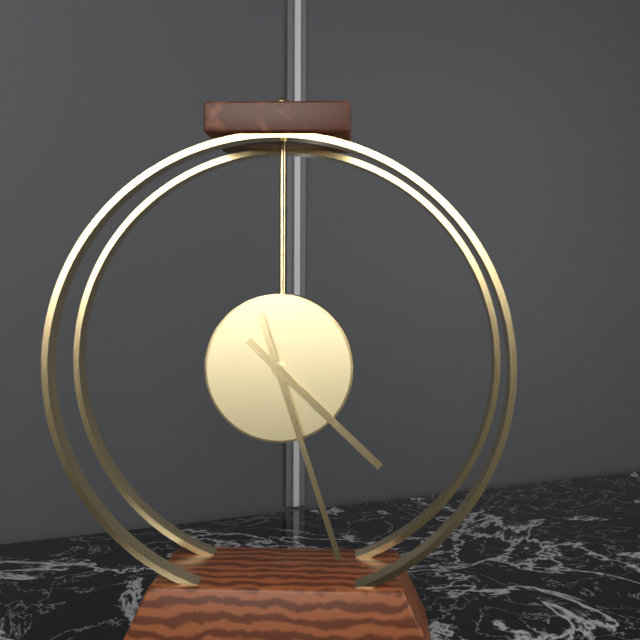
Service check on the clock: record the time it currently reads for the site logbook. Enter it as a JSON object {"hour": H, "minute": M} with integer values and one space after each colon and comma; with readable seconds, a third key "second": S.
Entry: {"hour": 4, "minute": 27}
